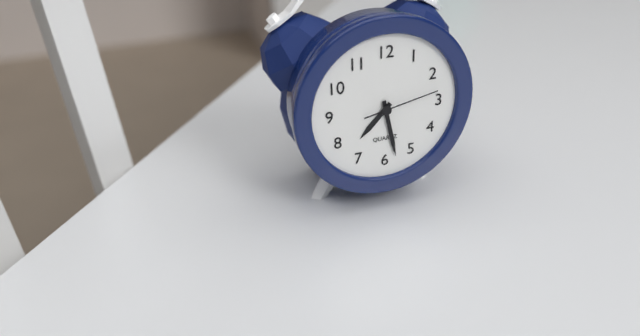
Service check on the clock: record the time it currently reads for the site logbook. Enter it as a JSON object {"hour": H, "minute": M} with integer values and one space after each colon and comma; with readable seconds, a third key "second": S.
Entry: {"hour": 7, "minute": 28, "second": 13}
